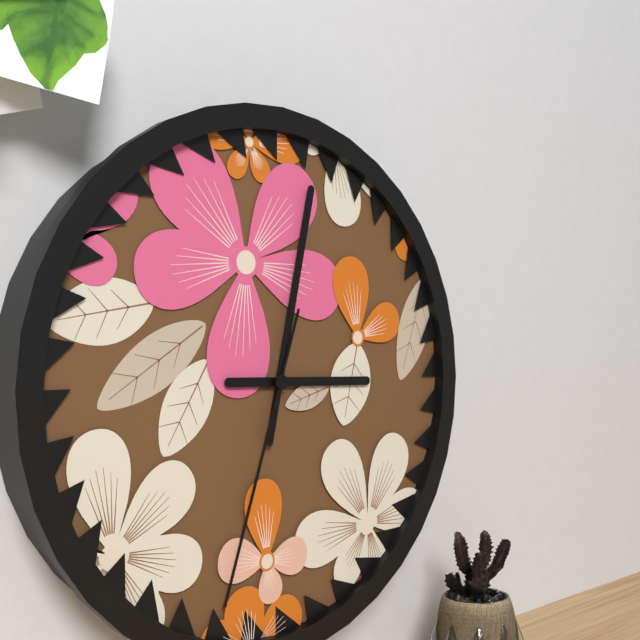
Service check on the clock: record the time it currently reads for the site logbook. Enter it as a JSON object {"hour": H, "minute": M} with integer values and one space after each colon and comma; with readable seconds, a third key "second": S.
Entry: {"hour": 3, "minute": 2, "second": 33}
